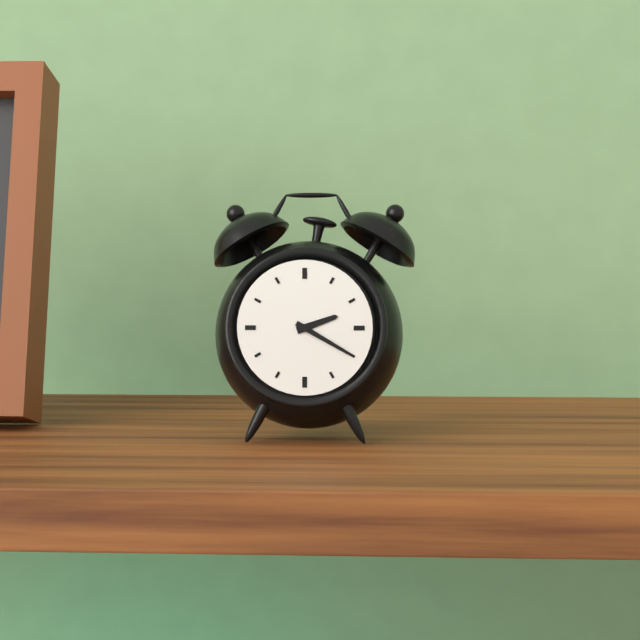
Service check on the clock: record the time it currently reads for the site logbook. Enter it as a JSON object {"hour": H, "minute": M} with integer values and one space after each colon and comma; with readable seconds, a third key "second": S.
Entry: {"hour": 2, "minute": 20}
